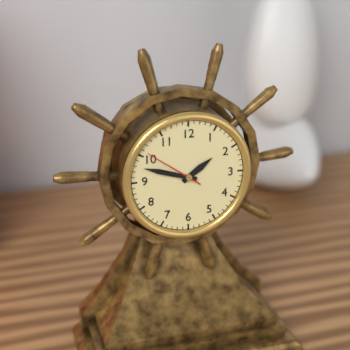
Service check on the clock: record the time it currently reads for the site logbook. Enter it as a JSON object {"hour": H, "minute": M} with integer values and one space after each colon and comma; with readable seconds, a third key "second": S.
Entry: {"hour": 1, "minute": 48, "second": 51}
